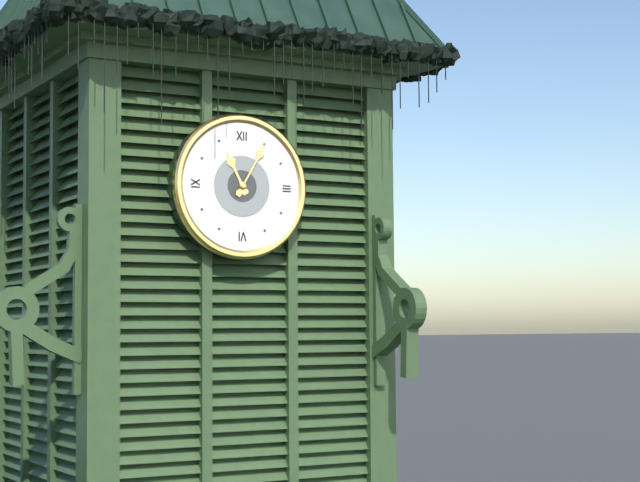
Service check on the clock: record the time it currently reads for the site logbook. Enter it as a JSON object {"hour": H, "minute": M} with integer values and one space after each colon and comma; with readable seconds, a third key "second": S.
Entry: {"hour": 11, "minute": 5}
